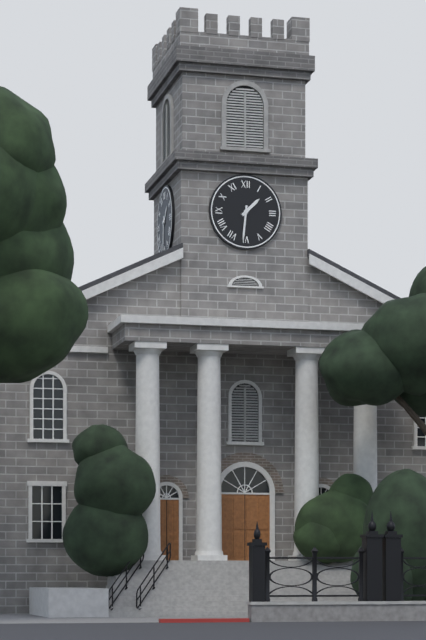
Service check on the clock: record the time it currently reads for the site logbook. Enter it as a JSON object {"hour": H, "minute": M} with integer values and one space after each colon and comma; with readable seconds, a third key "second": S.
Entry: {"hour": 1, "minute": 31}
